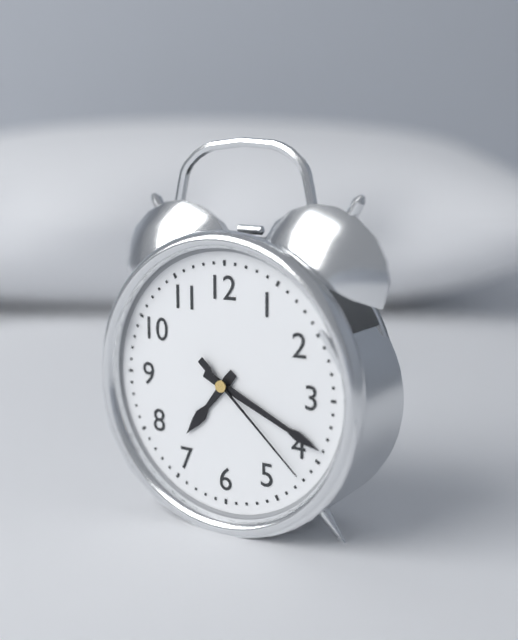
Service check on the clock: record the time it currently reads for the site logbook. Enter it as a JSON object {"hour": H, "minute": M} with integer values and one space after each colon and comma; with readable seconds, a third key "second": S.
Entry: {"hour": 7, "minute": 19, "second": 22}
